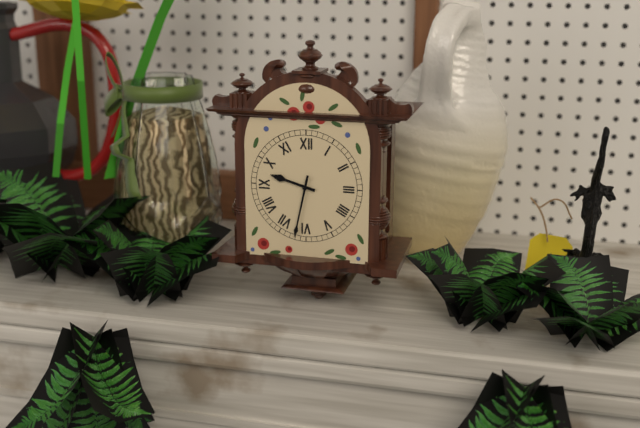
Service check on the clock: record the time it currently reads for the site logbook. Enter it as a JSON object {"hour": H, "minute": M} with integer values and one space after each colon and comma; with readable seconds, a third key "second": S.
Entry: {"hour": 9, "minute": 32}
